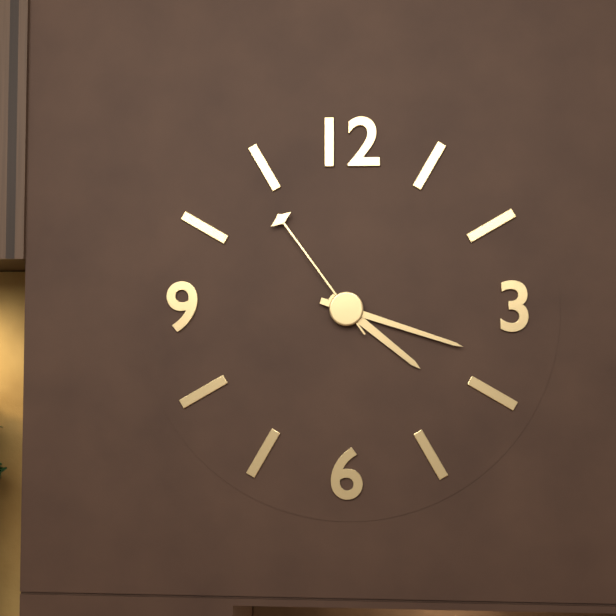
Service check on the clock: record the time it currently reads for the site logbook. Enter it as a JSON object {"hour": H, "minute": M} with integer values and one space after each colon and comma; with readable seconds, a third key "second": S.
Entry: {"hour": 4, "minute": 18, "second": 54}
